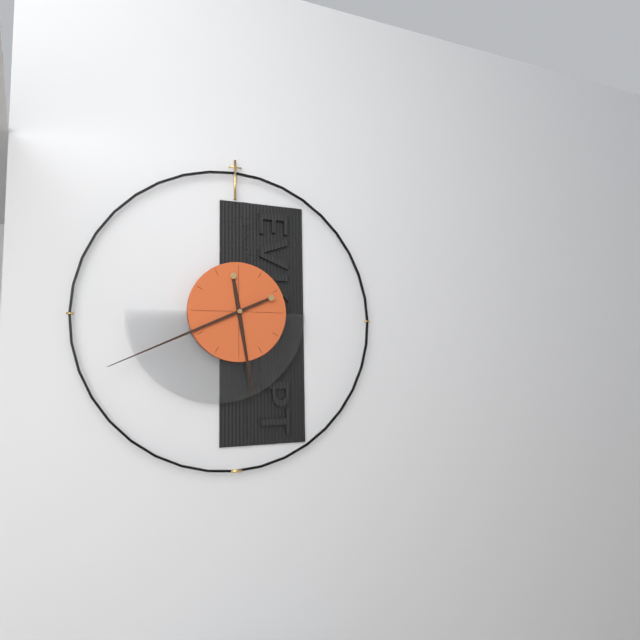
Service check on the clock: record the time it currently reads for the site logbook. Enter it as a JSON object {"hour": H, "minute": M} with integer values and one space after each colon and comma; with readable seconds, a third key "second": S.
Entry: {"hour": 5, "minute": 41}
